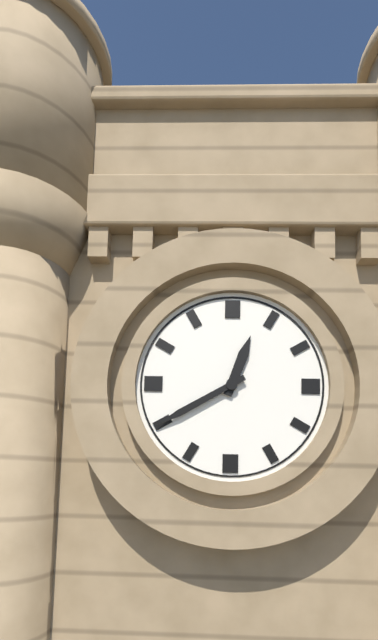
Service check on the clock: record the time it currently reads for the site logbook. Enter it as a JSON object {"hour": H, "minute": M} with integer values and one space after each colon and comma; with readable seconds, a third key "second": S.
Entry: {"hour": 12, "minute": 40}
